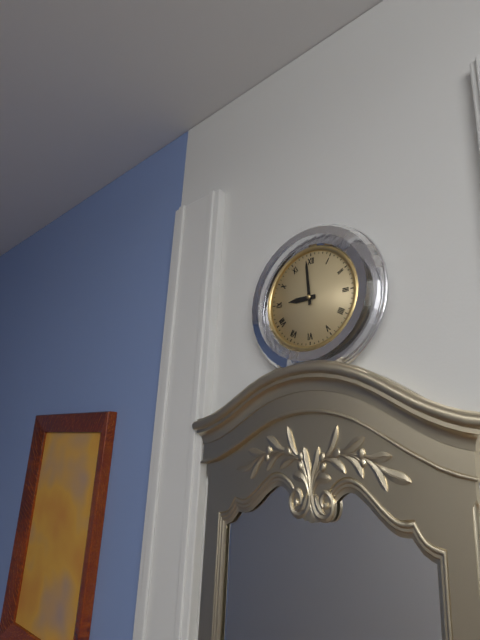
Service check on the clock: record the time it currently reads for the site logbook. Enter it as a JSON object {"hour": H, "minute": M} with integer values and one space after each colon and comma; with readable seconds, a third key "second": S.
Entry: {"hour": 8, "minute": 59}
